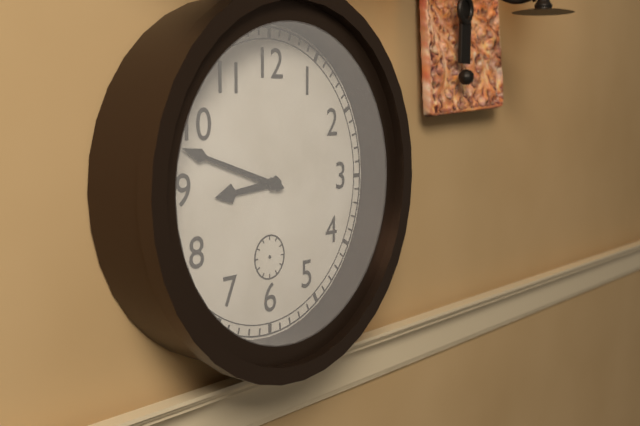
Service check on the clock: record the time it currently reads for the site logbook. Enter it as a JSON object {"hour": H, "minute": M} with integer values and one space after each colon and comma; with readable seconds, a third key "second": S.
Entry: {"hour": 8, "minute": 48}
